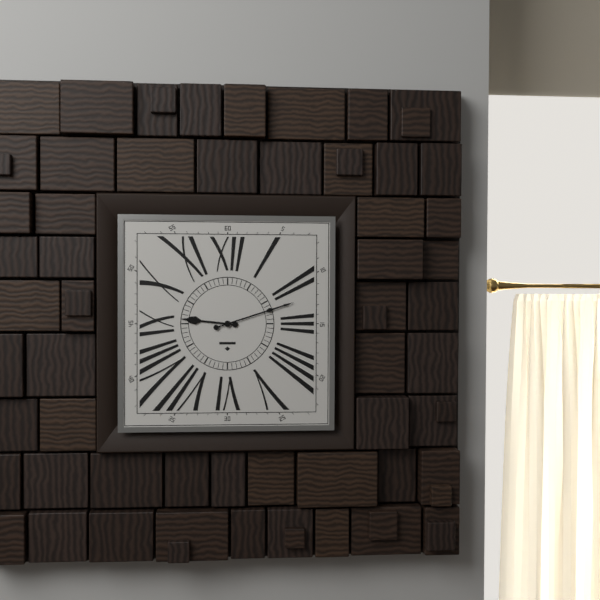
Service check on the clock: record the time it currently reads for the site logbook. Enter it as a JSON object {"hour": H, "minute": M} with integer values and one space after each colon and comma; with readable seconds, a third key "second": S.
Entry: {"hour": 9, "minute": 12}
